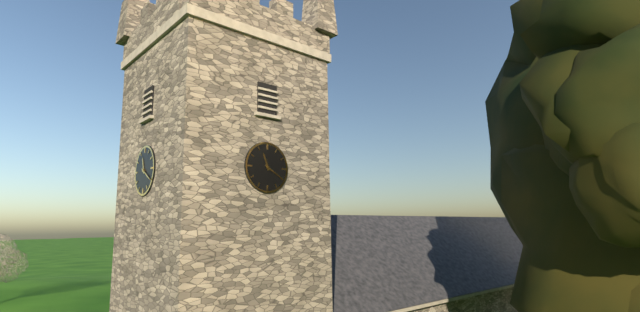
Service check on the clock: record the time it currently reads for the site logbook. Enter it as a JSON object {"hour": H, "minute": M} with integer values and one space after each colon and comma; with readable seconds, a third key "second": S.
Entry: {"hour": 11, "minute": 20}
